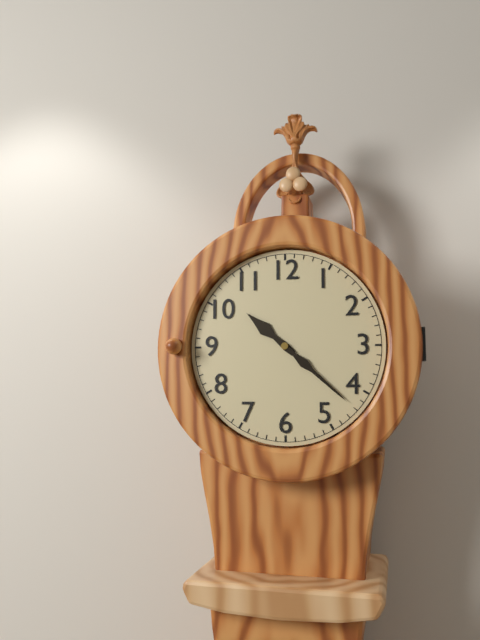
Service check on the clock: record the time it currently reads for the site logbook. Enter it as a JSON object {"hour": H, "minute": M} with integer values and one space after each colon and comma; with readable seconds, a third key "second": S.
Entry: {"hour": 10, "minute": 22}
